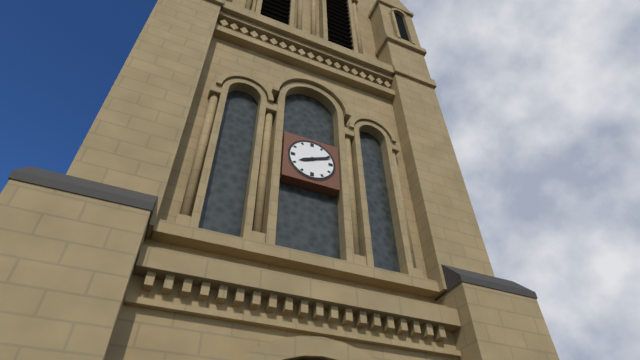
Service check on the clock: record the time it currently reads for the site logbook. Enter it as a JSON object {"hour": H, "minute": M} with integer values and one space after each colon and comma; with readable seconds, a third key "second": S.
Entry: {"hour": 8, "minute": 11}
